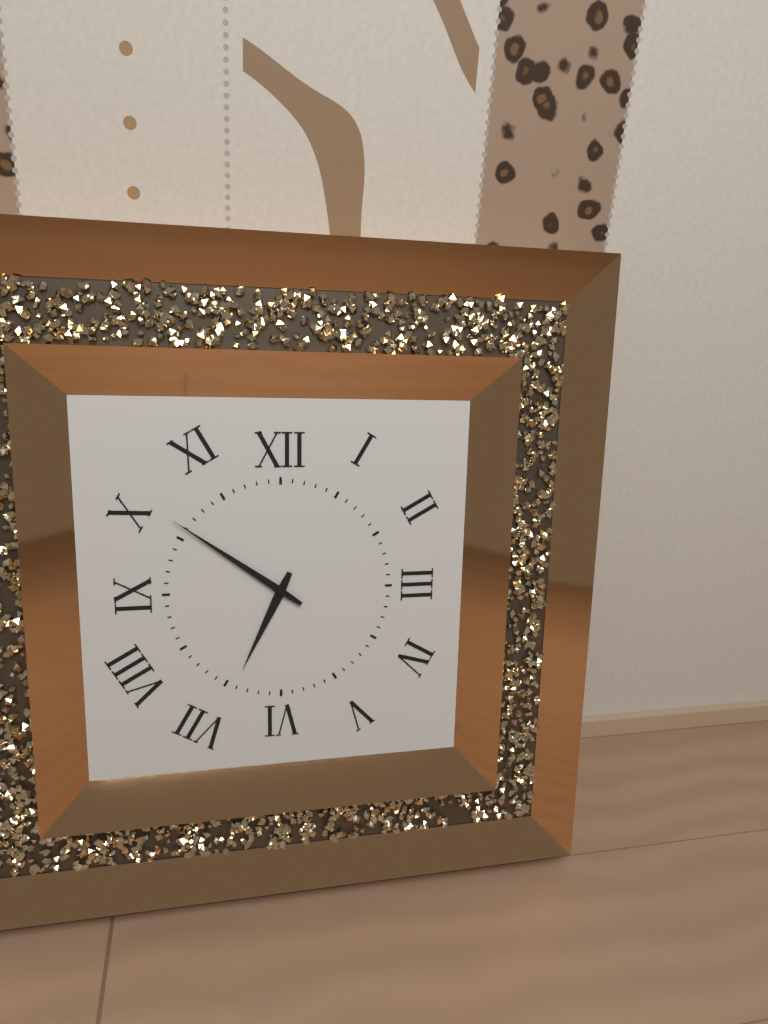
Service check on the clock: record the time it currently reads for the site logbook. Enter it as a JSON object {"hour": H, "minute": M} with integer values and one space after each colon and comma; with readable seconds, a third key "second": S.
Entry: {"hour": 6, "minute": 51}
